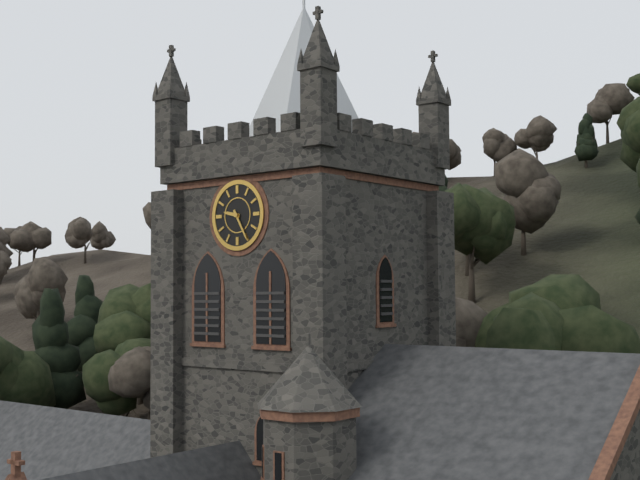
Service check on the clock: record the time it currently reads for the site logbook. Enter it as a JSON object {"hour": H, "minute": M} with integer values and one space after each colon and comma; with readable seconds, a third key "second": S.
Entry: {"hour": 9, "minute": 25}
